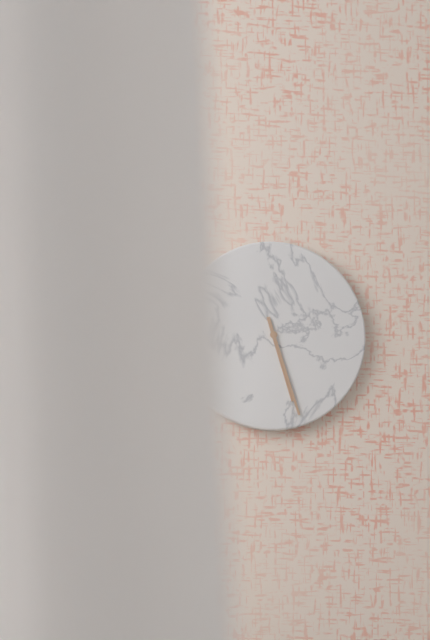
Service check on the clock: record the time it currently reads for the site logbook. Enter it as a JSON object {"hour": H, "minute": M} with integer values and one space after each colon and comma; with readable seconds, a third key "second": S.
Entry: {"hour": 5, "minute": 27}
